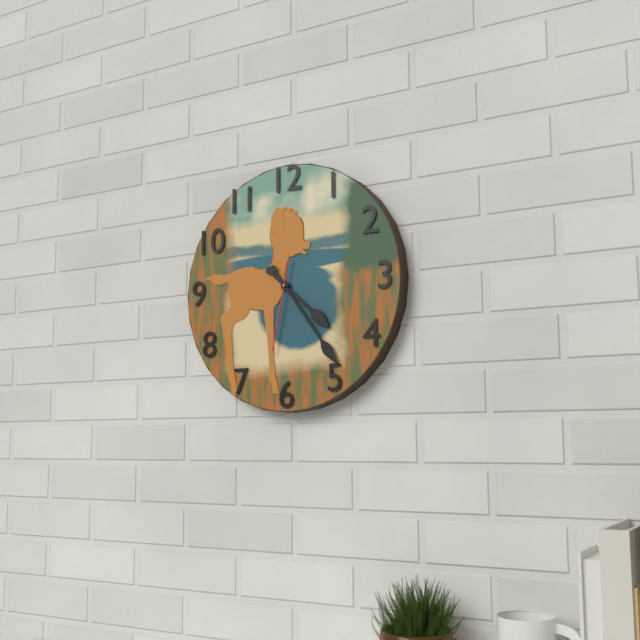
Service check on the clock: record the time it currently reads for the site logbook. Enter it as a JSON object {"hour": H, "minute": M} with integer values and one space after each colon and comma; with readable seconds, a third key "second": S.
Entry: {"hour": 4, "minute": 24, "second": 32}
